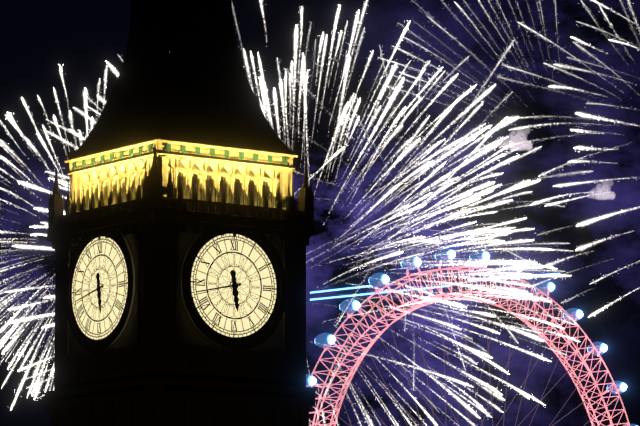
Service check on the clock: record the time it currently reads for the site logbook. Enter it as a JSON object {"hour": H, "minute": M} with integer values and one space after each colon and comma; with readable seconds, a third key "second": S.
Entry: {"hour": 5, "minute": 43}
